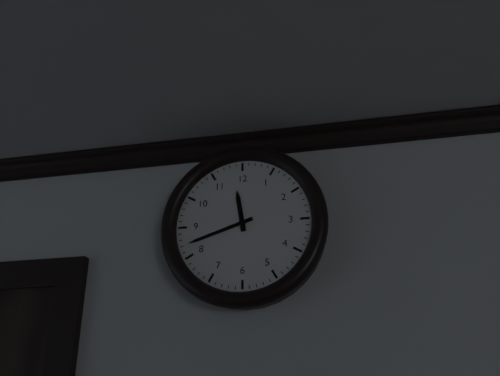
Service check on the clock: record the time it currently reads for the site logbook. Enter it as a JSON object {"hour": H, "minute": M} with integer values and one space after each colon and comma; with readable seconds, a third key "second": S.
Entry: {"hour": 11, "minute": 42}
